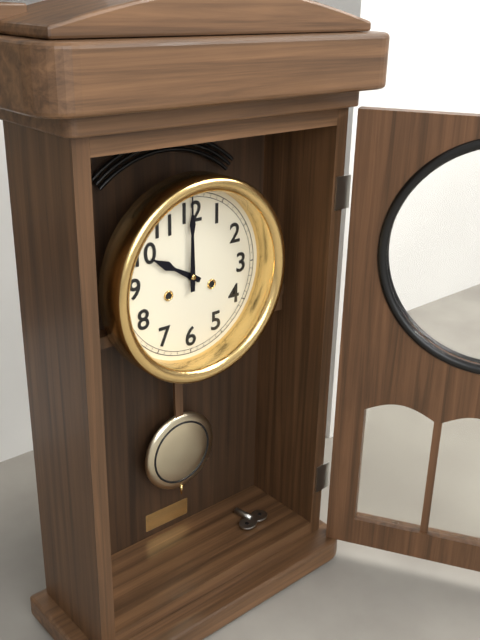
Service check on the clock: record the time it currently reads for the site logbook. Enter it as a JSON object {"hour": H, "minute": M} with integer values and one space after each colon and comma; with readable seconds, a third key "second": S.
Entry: {"hour": 10, "minute": 0}
